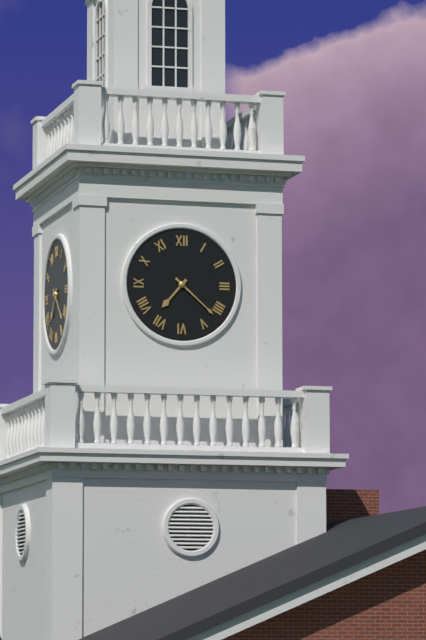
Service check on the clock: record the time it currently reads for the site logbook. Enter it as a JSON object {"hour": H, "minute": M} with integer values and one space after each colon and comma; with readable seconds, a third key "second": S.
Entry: {"hour": 7, "minute": 22}
